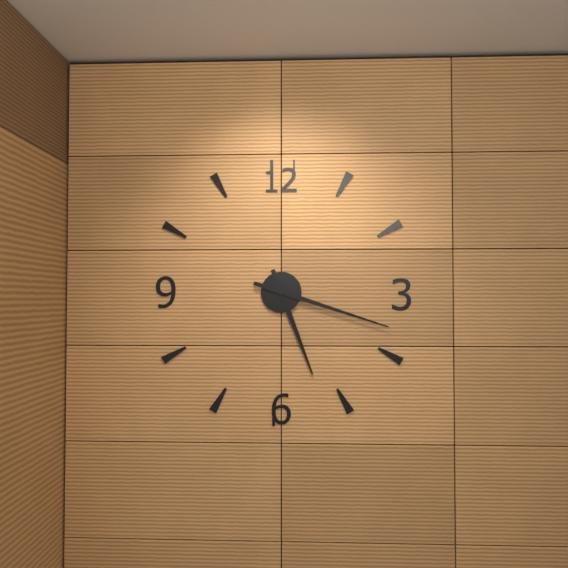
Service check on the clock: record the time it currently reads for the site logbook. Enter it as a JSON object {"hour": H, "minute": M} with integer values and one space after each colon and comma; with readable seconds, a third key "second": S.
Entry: {"hour": 5, "minute": 18}
